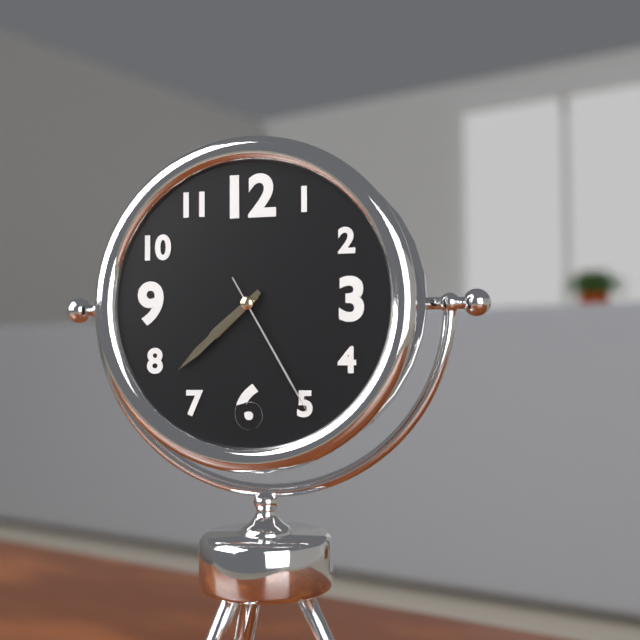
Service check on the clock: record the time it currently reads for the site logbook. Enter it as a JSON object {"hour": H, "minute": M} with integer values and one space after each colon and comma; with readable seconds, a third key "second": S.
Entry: {"hour": 7, "minute": 38, "second": 25}
